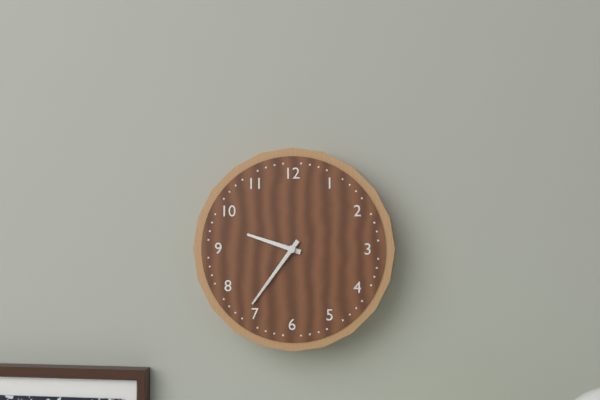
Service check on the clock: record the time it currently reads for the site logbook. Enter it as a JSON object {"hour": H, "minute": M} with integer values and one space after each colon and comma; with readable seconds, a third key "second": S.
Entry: {"hour": 9, "minute": 36}
